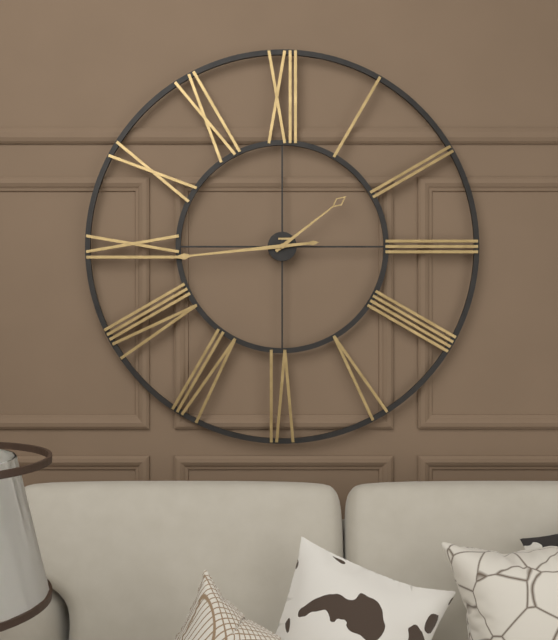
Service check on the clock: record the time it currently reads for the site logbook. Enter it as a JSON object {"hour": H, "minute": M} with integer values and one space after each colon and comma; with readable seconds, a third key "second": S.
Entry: {"hour": 1, "minute": 44}
